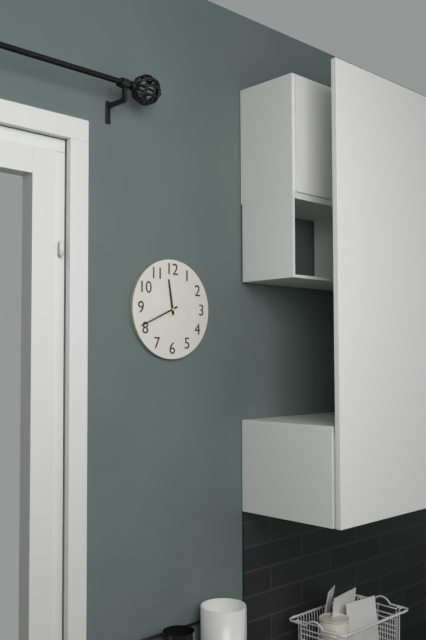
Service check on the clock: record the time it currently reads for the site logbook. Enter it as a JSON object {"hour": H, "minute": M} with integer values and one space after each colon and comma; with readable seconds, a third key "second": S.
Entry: {"hour": 11, "minute": 41}
